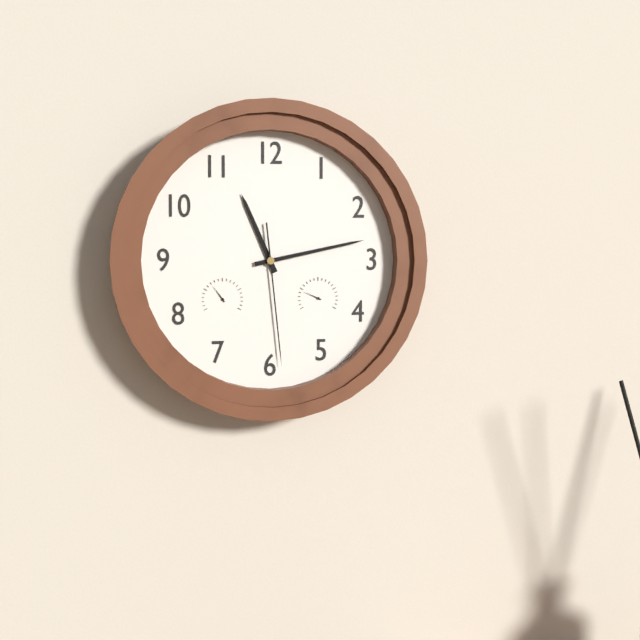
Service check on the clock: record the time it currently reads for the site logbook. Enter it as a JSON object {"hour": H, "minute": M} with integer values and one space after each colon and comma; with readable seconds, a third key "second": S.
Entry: {"hour": 11, "minute": 13, "second": 29}
